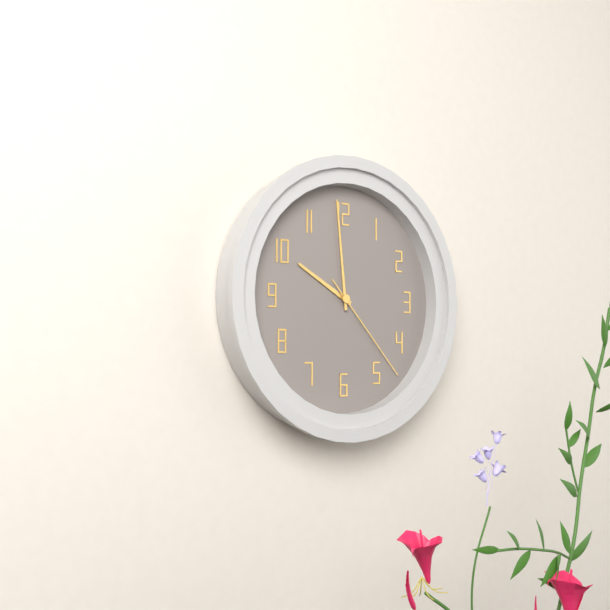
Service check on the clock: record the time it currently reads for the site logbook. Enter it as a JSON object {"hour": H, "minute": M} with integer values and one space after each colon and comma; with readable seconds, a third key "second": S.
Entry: {"hour": 9, "minute": 59, "second": 23}
